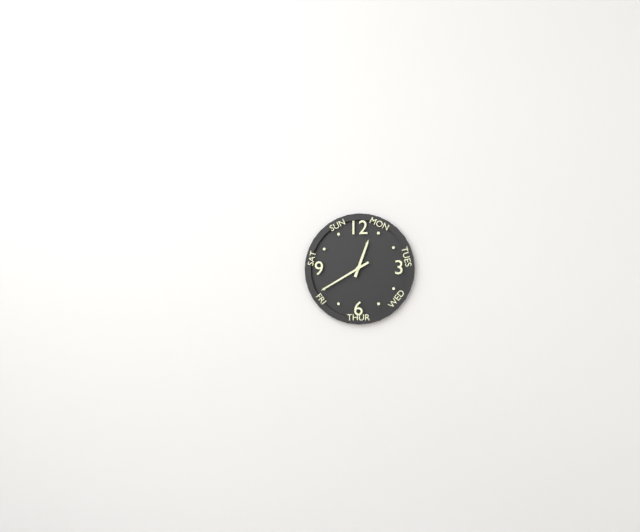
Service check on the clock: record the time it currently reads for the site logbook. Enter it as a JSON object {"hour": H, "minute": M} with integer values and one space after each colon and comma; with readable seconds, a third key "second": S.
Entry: {"hour": 12, "minute": 40}
